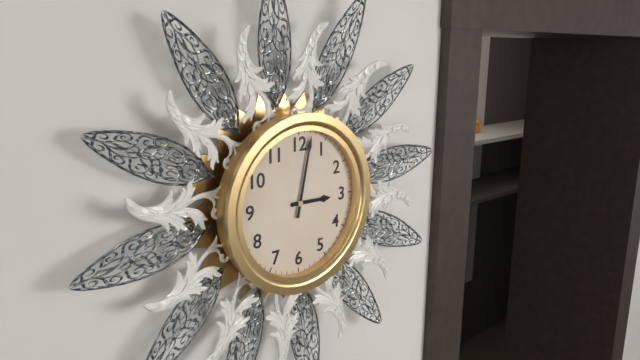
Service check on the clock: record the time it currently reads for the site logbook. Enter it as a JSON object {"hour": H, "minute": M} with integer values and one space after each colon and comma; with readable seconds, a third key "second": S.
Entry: {"hour": 3, "minute": 2}
